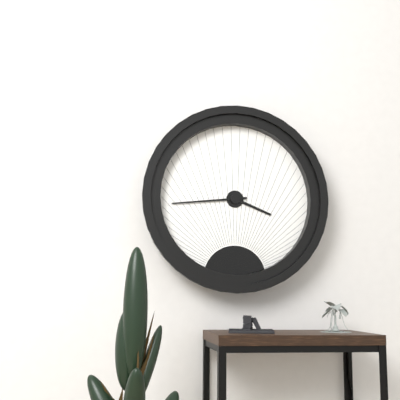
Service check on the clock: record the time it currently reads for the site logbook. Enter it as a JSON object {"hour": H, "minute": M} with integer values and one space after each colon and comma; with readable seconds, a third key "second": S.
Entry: {"hour": 3, "minute": 44}
